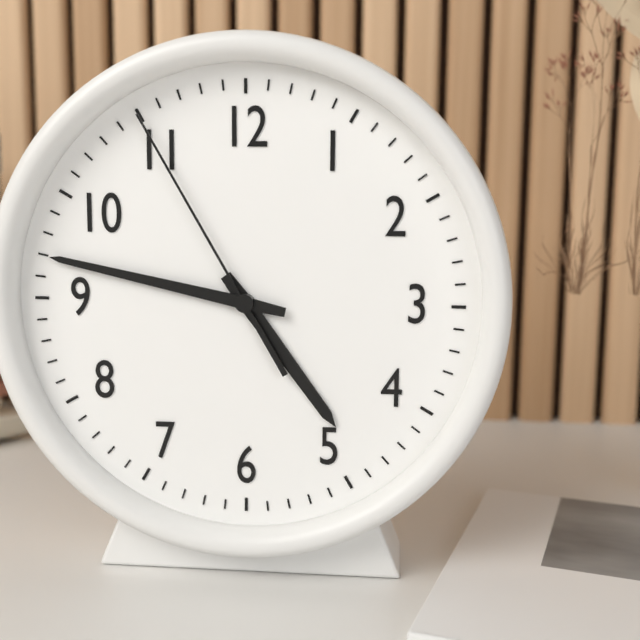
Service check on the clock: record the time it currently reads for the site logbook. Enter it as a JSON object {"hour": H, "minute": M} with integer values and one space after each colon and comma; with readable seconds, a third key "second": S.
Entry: {"hour": 4, "minute": 47, "second": 55}
